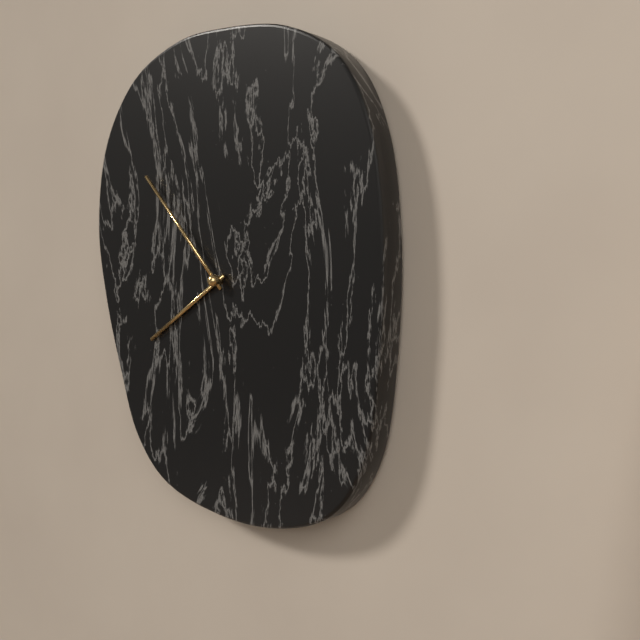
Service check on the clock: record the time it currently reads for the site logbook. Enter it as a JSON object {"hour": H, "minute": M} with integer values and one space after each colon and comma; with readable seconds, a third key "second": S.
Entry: {"hour": 7, "minute": 53}
